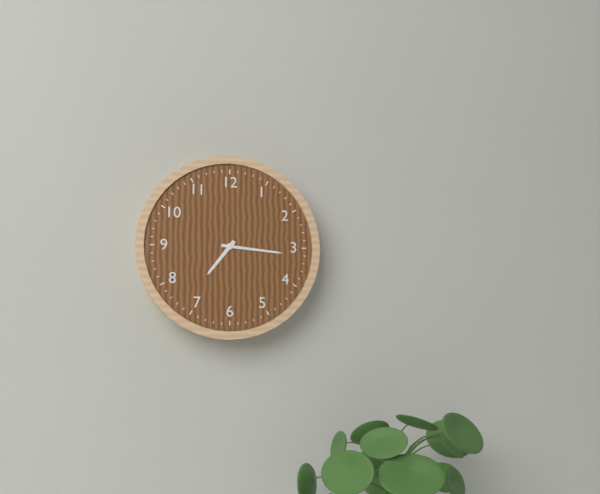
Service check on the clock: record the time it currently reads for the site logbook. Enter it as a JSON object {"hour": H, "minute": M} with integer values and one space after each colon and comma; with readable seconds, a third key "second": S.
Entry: {"hour": 7, "minute": 16}
